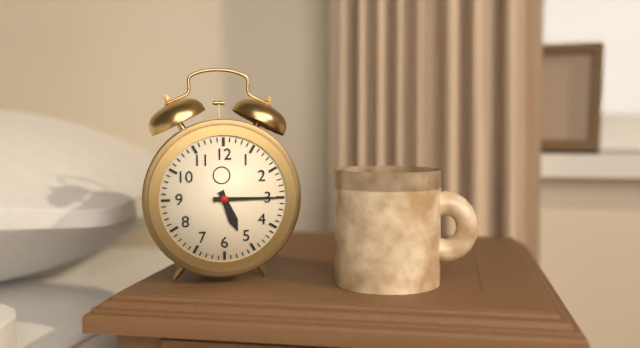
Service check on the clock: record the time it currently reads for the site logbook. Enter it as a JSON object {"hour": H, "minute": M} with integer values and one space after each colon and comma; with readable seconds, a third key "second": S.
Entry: {"hour": 5, "minute": 15}
